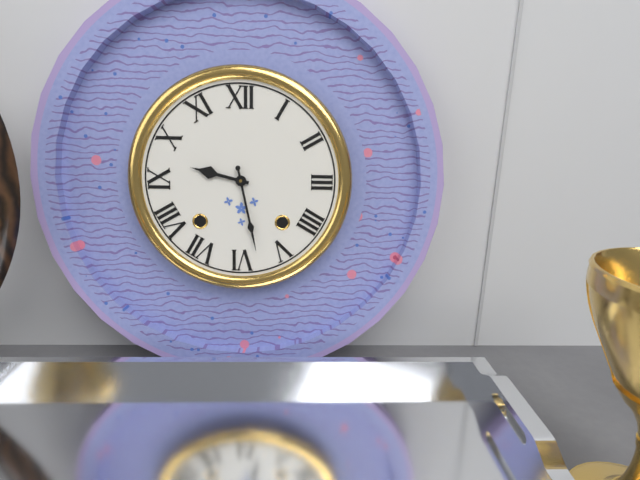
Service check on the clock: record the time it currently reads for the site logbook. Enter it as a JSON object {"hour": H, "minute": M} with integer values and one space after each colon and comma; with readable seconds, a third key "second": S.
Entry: {"hour": 9, "minute": 28}
